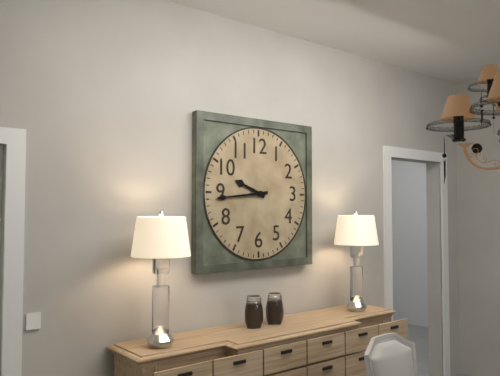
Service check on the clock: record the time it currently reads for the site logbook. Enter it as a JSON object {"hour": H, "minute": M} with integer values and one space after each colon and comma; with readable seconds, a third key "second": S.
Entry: {"hour": 9, "minute": 44}
